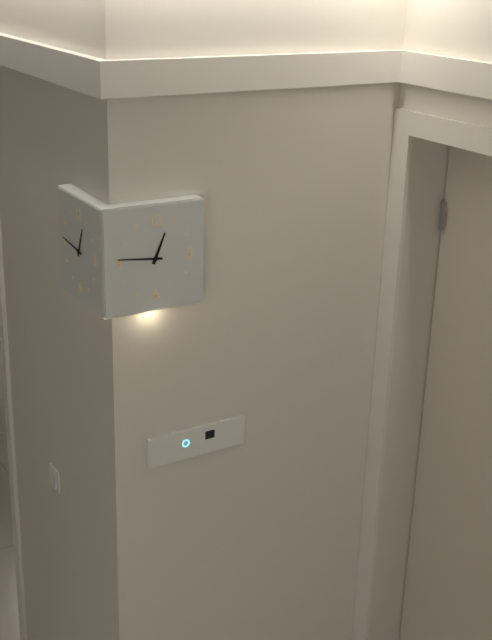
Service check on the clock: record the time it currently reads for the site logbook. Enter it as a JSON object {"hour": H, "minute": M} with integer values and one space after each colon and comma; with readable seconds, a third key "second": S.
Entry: {"hour": 12, "minute": 46}
